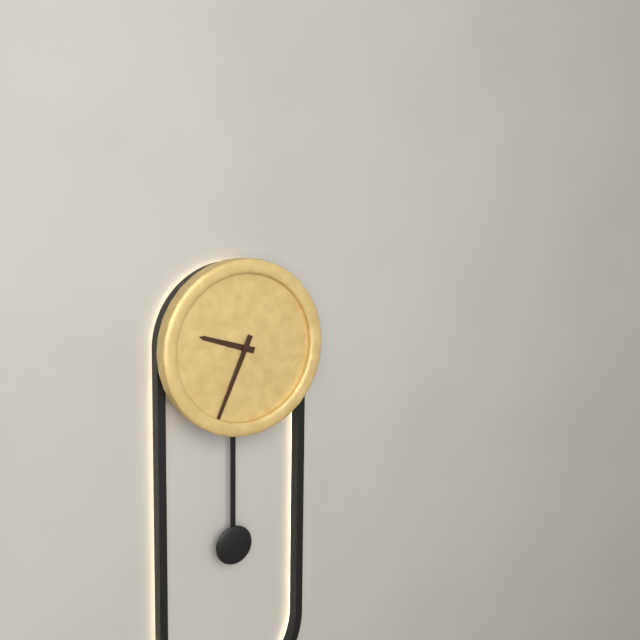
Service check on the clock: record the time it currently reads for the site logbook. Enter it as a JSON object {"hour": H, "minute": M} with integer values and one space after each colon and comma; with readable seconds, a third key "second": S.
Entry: {"hour": 9, "minute": 34}
